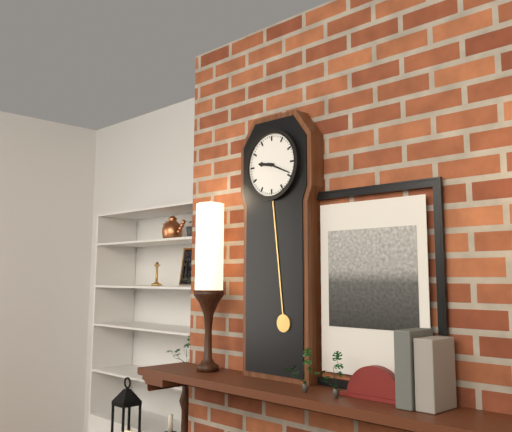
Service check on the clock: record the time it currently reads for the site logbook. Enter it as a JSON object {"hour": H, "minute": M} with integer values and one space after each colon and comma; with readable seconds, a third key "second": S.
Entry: {"hour": 9, "minute": 19}
